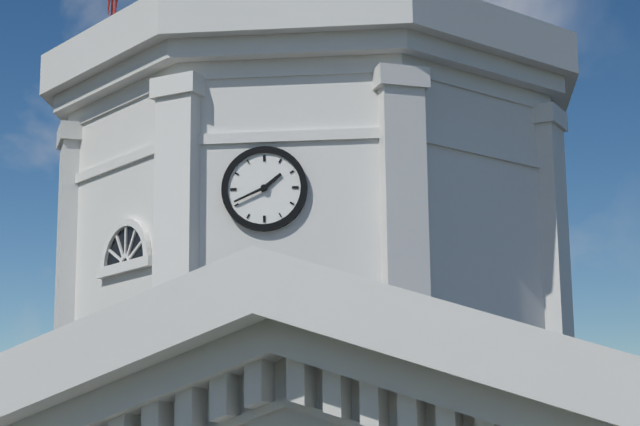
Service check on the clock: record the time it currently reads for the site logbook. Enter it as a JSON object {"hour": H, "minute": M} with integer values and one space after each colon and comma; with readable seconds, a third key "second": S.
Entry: {"hour": 1, "minute": 41}
